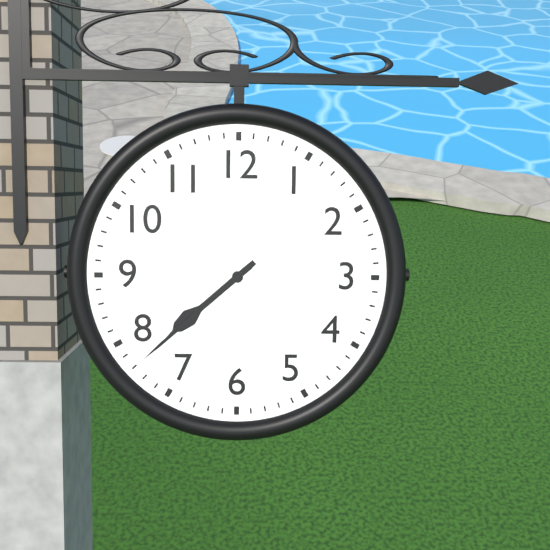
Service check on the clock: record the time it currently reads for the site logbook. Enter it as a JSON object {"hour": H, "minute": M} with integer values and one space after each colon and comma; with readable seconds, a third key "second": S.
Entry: {"hour": 7, "minute": 38}
